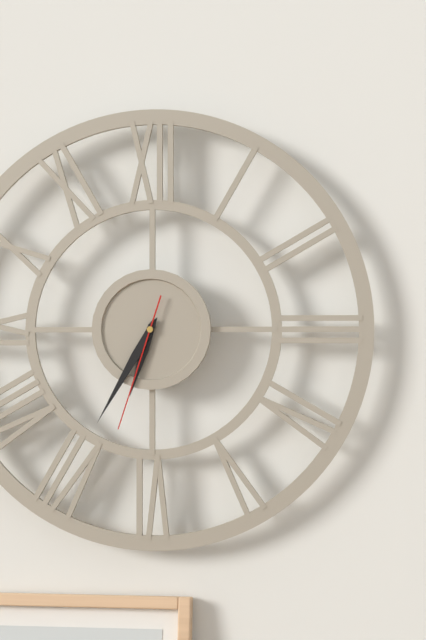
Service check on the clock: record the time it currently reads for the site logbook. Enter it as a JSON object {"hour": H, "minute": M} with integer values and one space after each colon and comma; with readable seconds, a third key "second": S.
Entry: {"hour": 6, "minute": 35, "second": 33}
